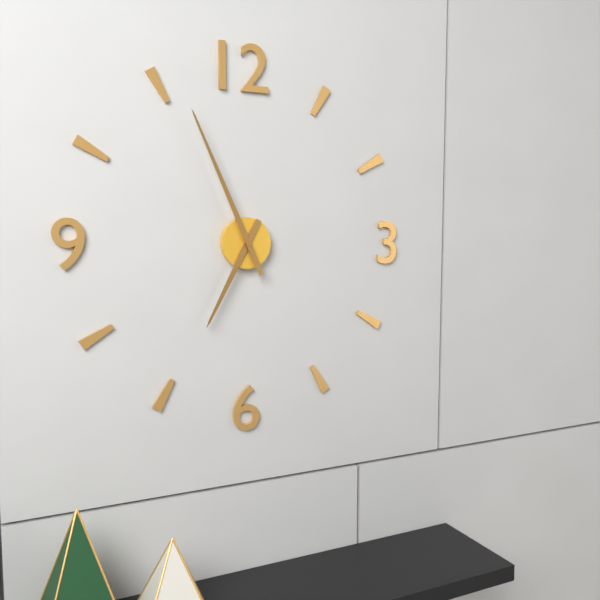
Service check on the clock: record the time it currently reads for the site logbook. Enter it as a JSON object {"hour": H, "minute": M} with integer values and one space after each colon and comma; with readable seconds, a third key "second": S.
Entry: {"hour": 6, "minute": 56}
